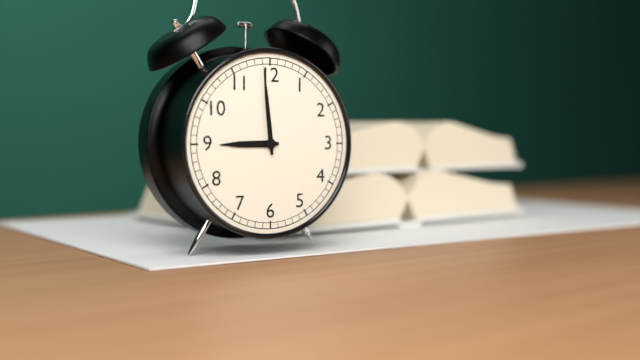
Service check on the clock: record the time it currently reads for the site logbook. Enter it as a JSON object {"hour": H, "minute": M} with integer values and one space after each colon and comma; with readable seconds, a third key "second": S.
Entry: {"hour": 8, "minute": 59}
